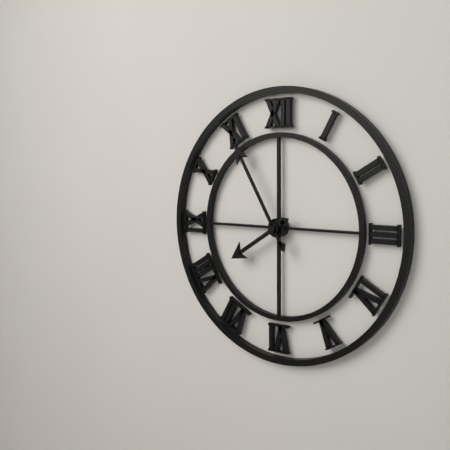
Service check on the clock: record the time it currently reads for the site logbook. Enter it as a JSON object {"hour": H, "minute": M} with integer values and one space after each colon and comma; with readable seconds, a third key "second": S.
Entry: {"hour": 7, "minute": 55}
